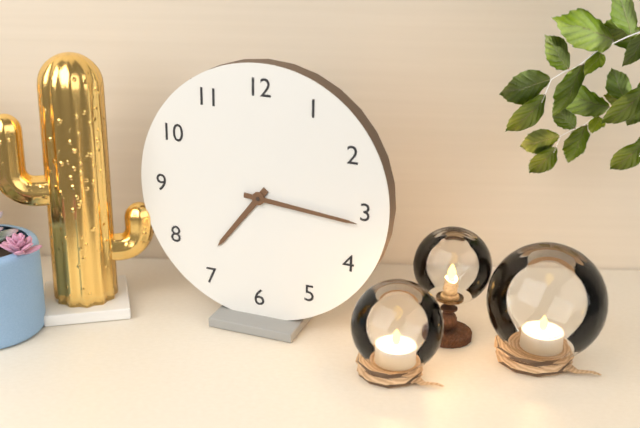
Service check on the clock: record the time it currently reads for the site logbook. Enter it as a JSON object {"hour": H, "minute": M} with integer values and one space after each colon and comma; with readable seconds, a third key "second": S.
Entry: {"hour": 7, "minute": 16}
